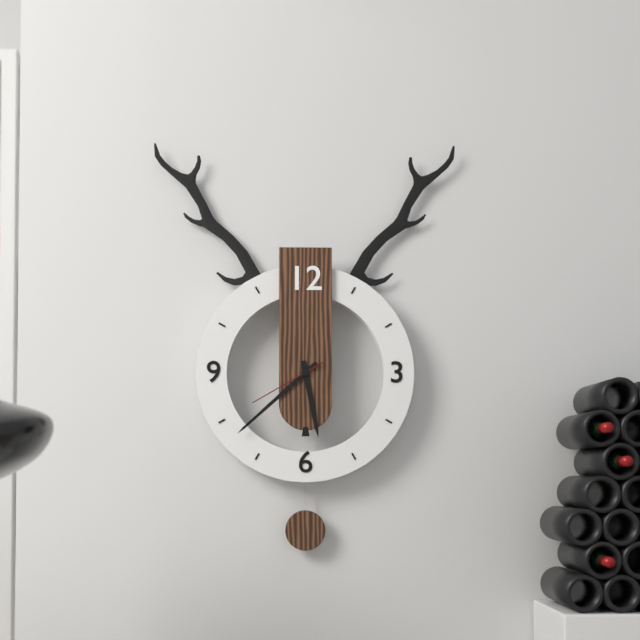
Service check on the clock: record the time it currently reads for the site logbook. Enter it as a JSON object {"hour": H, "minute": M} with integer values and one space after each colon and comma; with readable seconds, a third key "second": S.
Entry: {"hour": 5, "minute": 38, "second": 40}
